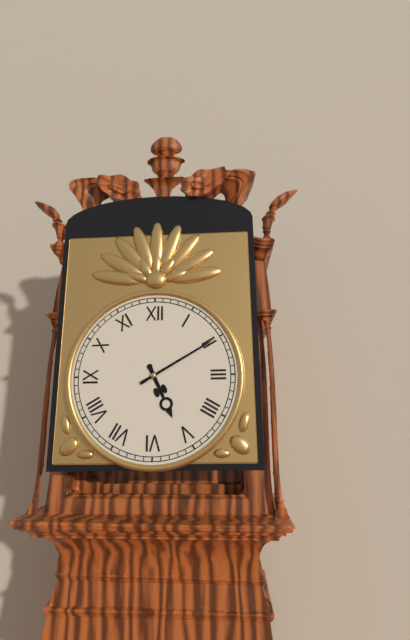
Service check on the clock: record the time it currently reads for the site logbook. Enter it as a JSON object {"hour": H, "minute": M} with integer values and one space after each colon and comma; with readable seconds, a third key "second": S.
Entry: {"hour": 5, "minute": 10}
